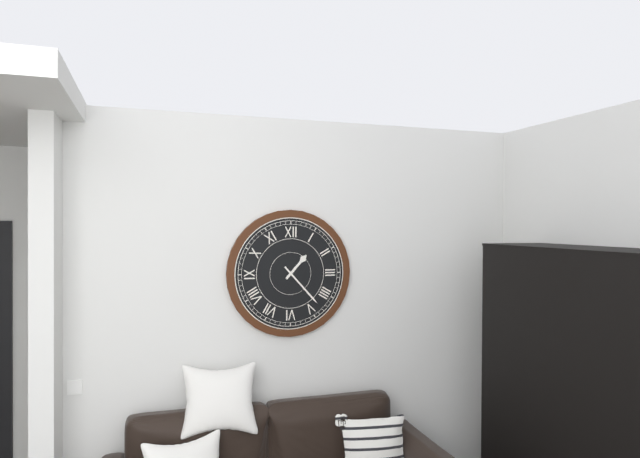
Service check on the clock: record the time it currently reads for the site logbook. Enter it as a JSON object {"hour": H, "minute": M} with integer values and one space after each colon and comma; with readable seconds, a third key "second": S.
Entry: {"hour": 1, "minute": 23}
